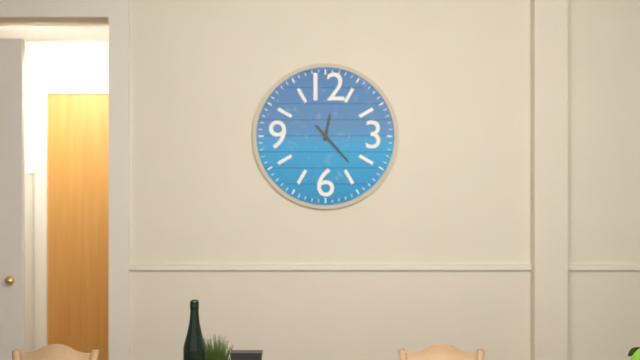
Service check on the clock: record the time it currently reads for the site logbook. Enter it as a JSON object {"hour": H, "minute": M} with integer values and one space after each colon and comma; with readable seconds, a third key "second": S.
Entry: {"hour": 12, "minute": 23}
